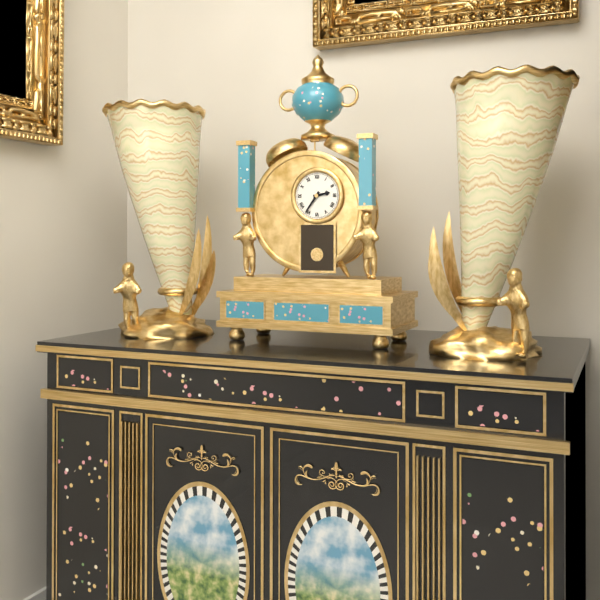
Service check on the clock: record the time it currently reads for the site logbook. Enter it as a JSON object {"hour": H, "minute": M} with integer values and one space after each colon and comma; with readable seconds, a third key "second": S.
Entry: {"hour": 2, "minute": 36}
